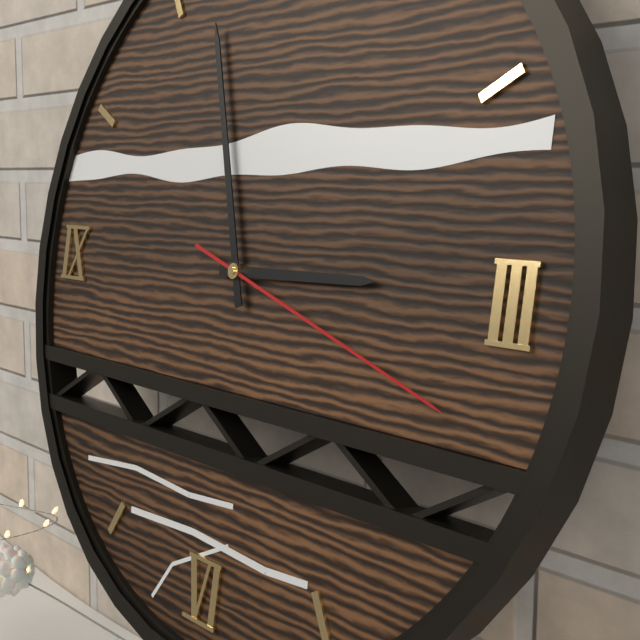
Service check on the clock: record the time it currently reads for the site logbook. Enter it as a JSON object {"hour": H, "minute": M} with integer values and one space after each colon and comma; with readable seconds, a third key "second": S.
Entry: {"hour": 2, "minute": 57, "second": 18}
